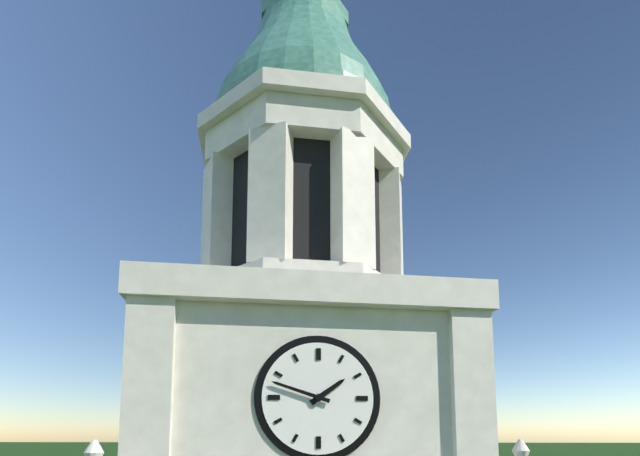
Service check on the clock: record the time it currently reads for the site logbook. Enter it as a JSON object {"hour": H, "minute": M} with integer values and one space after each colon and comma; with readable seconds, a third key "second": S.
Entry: {"hour": 1, "minute": 48}
